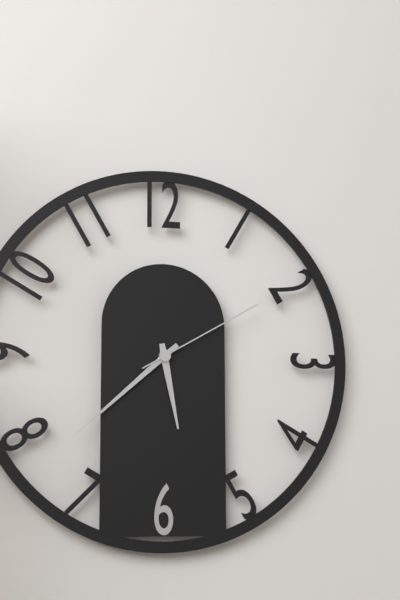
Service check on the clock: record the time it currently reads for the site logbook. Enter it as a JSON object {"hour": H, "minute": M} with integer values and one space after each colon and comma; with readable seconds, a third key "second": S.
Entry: {"hour": 5, "minute": 38, "second": 10}
